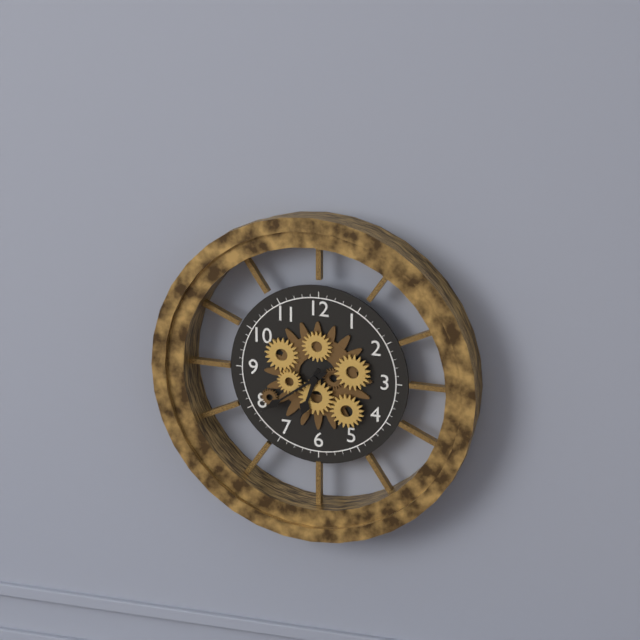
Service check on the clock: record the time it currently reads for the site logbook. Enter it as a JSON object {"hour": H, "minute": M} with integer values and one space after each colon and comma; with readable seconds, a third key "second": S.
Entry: {"hour": 6, "minute": 39}
